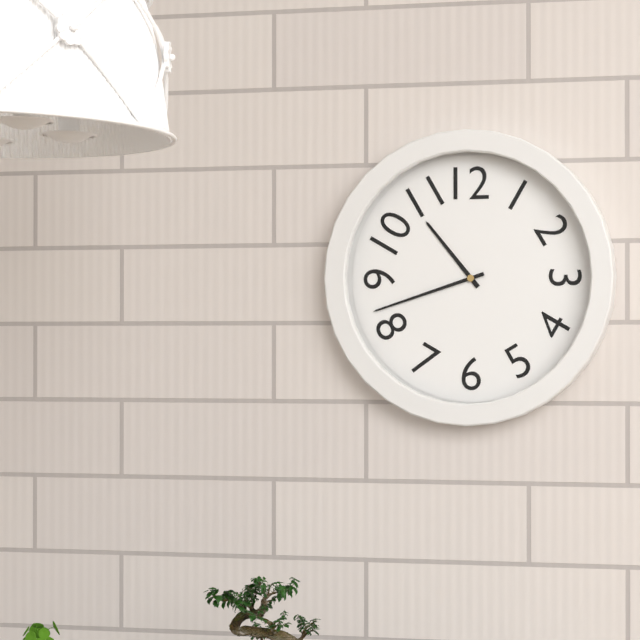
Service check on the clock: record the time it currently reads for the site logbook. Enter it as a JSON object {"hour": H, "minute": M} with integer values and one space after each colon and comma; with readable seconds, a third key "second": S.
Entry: {"hour": 10, "minute": 42}
